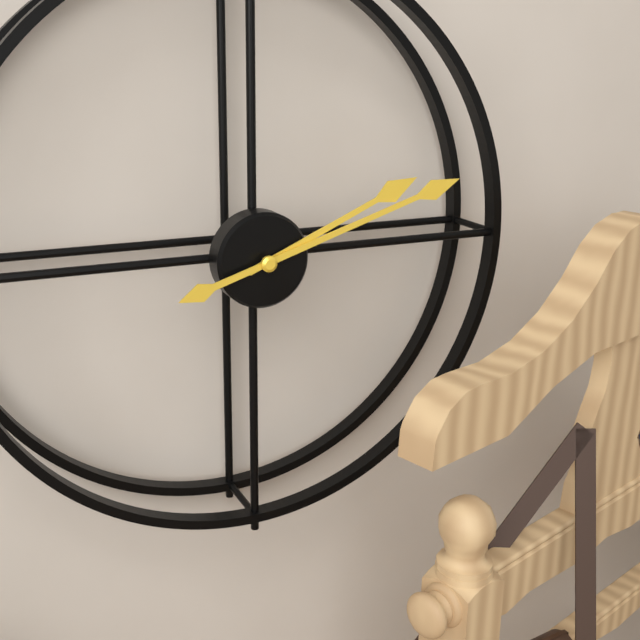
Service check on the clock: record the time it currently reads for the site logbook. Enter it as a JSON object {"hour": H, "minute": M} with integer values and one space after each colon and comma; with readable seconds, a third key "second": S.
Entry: {"hour": 2, "minute": 12}
